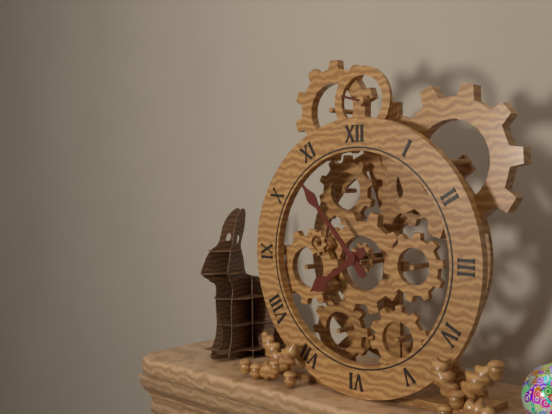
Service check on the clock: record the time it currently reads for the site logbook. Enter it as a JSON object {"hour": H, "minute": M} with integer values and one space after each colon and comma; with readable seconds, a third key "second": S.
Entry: {"hour": 7, "minute": 53}
